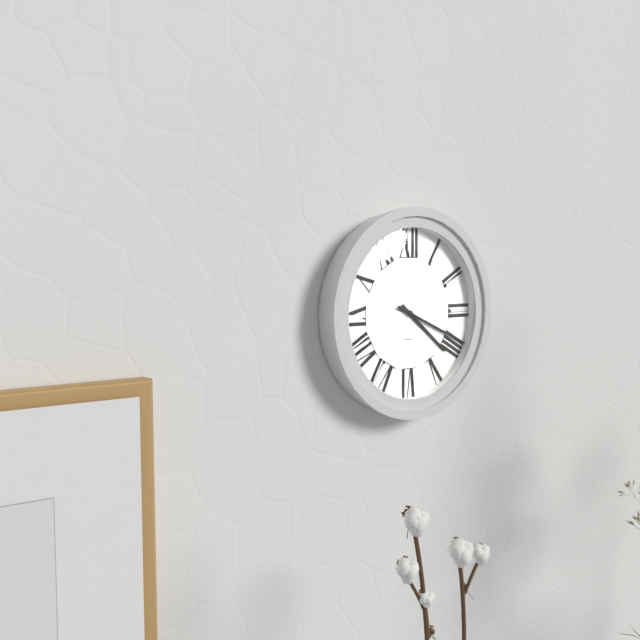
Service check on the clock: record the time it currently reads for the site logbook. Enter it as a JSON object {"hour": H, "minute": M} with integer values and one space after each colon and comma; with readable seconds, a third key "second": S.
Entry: {"hour": 4, "minute": 19}
